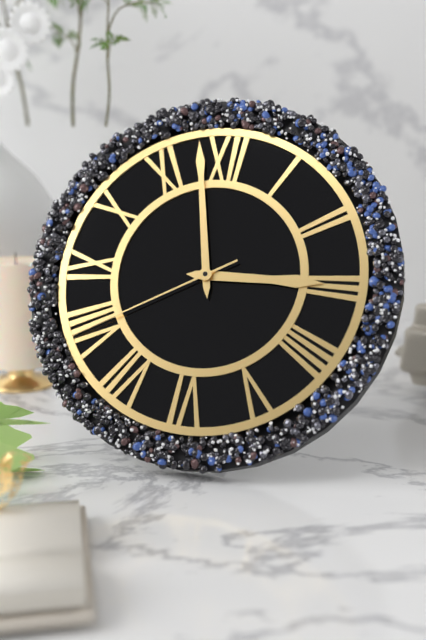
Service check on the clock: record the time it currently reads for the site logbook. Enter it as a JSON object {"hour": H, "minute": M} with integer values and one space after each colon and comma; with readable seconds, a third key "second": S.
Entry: {"hour": 2, "minute": 58, "second": 40}
